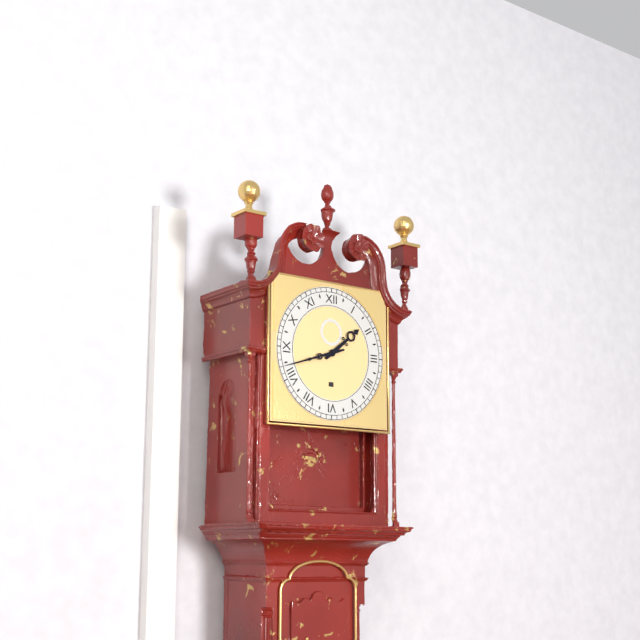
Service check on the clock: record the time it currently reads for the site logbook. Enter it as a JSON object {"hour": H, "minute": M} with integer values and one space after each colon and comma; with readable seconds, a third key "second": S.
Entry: {"hour": 1, "minute": 42}
